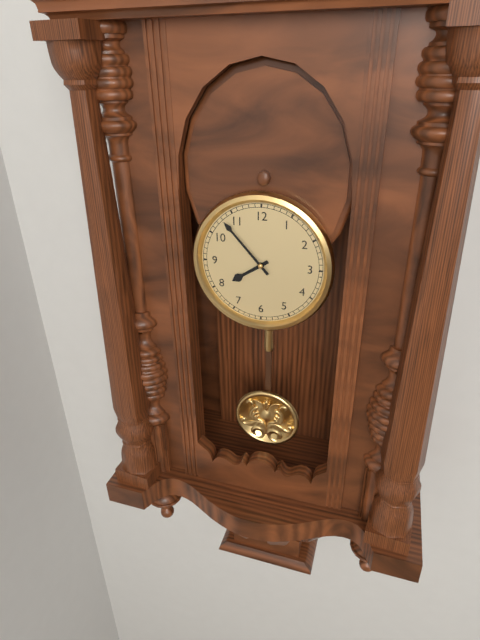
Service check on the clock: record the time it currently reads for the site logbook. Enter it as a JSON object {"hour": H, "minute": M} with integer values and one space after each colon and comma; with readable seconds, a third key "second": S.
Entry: {"hour": 7, "minute": 53}
